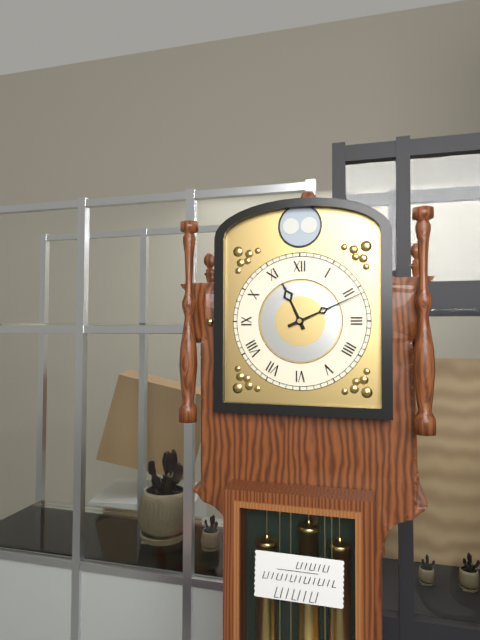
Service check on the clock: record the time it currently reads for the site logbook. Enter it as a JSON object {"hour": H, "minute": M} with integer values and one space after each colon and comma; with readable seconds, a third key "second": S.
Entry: {"hour": 11, "minute": 11}
